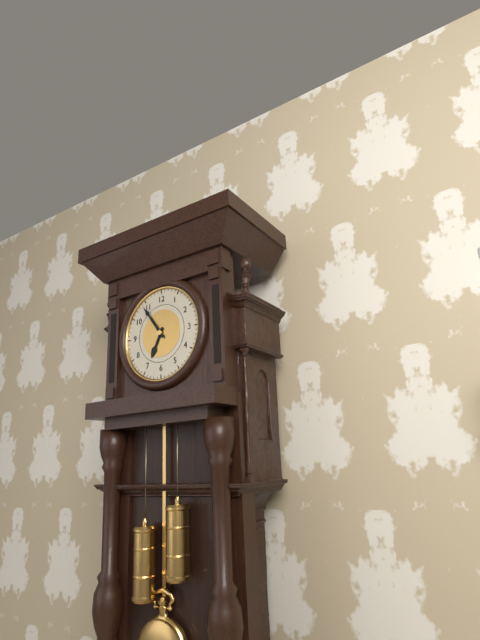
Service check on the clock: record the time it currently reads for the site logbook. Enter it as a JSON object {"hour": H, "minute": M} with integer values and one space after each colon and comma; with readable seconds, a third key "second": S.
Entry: {"hour": 6, "minute": 54}
